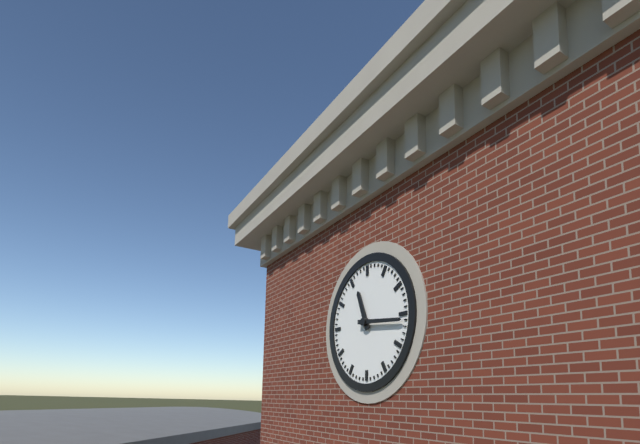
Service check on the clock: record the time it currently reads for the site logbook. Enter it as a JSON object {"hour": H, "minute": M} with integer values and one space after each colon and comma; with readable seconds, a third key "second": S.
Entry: {"hour": 11, "minute": 16}
